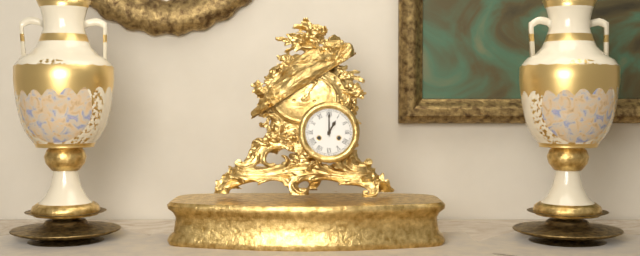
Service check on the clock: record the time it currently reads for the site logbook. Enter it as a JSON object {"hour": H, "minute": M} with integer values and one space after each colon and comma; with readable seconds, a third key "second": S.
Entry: {"hour": 1, "minute": 0}
